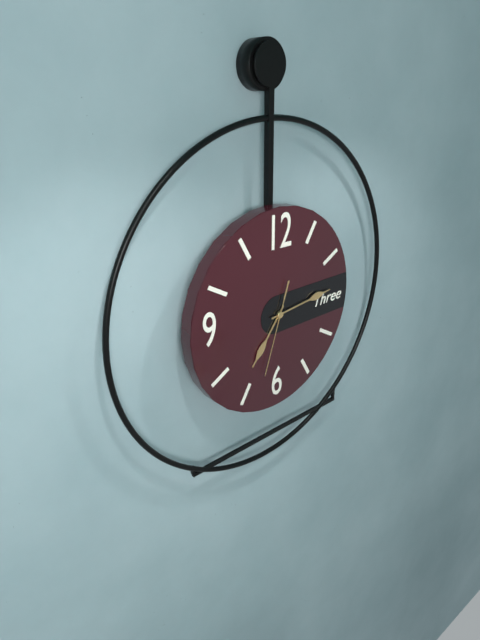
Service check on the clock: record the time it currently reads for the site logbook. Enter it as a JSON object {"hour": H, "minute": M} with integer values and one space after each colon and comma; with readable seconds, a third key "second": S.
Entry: {"hour": 7, "minute": 14, "second": 33}
